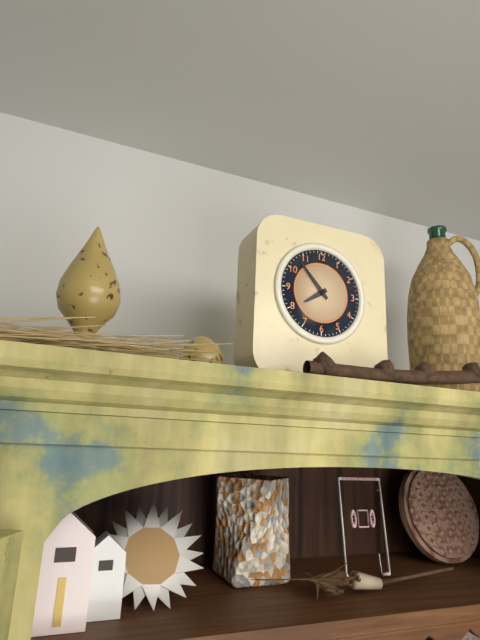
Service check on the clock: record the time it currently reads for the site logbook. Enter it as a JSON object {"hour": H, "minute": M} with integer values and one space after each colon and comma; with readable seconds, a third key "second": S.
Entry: {"hour": 7, "minute": 53}
